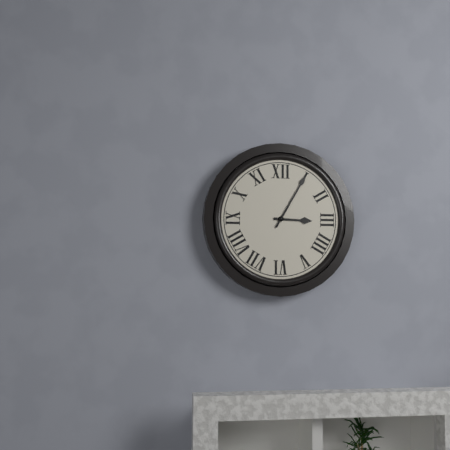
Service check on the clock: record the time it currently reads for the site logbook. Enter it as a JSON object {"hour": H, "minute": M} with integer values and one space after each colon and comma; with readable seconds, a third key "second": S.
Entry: {"hour": 3, "minute": 5}
